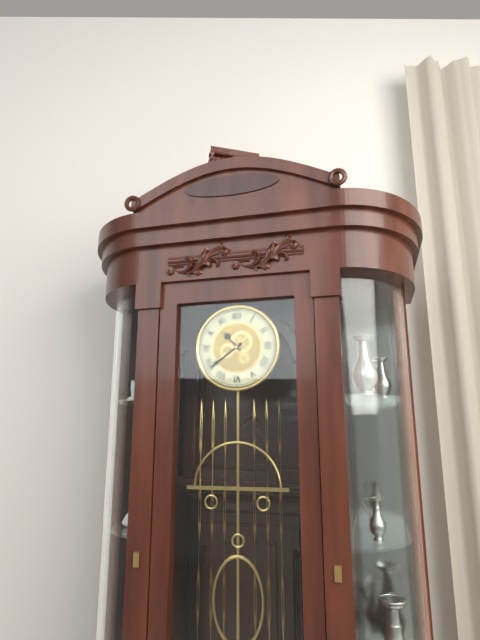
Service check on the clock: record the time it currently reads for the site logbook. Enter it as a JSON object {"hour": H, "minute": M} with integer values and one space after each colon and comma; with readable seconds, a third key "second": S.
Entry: {"hour": 10, "minute": 39}
